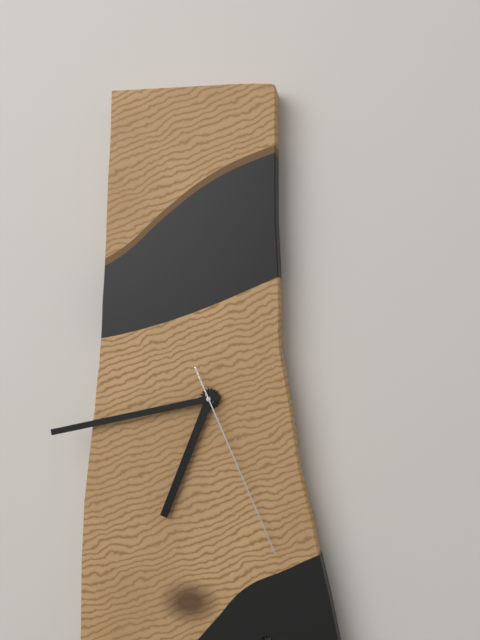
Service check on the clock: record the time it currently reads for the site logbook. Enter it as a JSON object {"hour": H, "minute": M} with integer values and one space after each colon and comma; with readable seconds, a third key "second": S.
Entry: {"hour": 6, "minute": 43, "second": 26}
